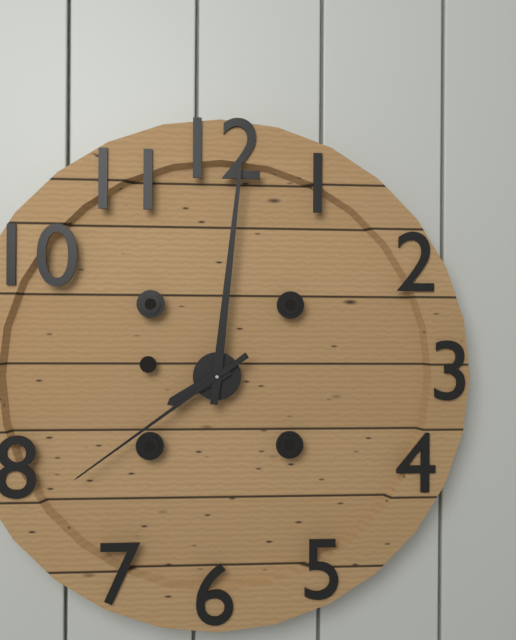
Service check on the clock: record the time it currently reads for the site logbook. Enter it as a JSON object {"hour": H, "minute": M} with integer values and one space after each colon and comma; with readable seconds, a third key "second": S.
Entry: {"hour": 8, "minute": 1, "second": 39}
